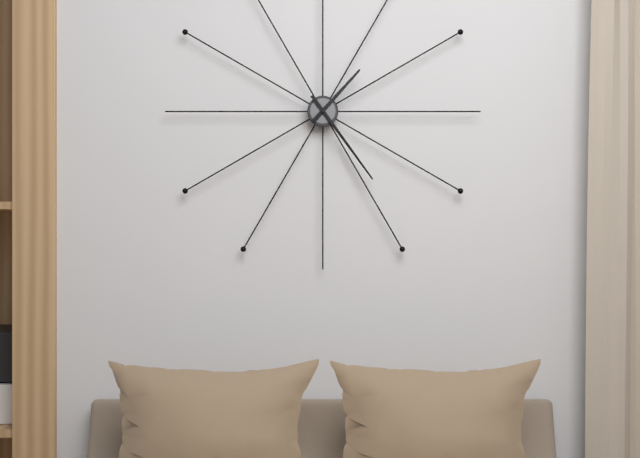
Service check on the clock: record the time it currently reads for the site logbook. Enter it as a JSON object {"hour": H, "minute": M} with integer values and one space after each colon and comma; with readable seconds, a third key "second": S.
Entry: {"hour": 1, "minute": 24}
